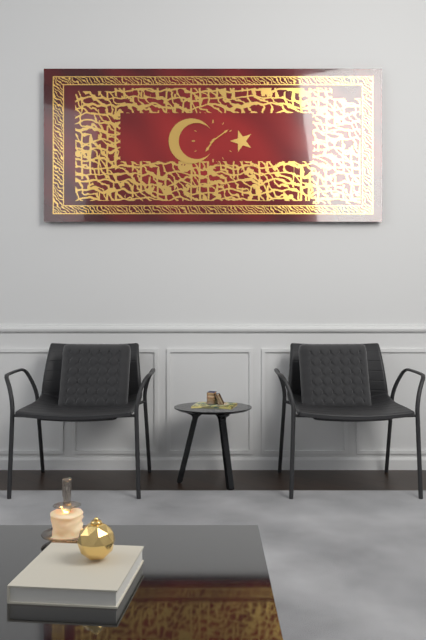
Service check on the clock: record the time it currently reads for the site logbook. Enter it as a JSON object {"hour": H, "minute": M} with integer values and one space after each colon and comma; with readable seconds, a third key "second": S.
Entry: {"hour": 7, "minute": 9}
